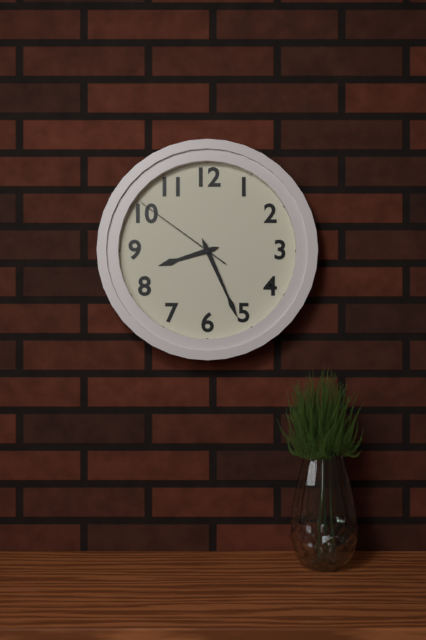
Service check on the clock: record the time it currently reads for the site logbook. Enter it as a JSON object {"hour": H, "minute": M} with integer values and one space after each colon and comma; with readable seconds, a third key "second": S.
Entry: {"hour": 8, "minute": 26, "second": 51}
